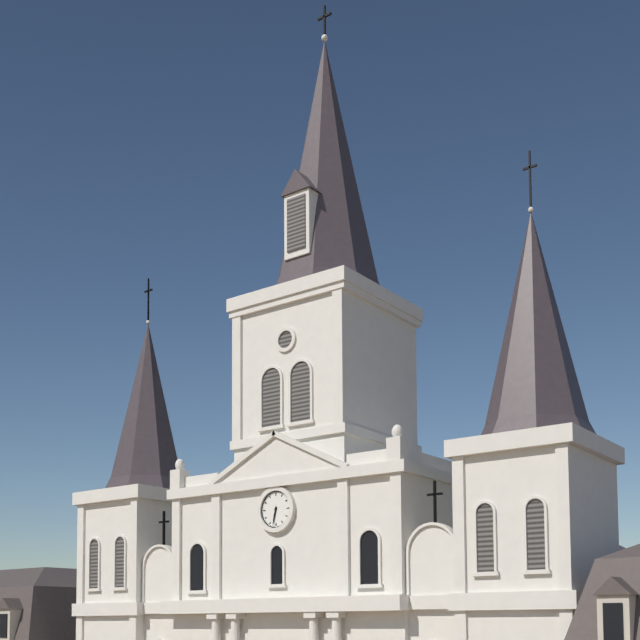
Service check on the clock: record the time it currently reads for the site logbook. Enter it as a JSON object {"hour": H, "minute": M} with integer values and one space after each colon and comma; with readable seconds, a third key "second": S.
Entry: {"hour": 6, "minute": 32}
